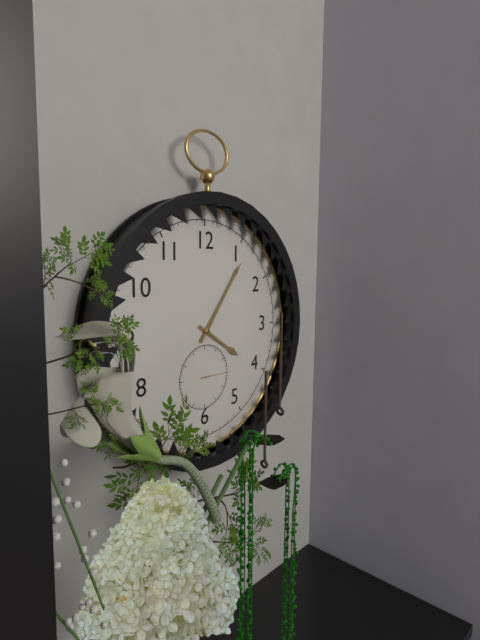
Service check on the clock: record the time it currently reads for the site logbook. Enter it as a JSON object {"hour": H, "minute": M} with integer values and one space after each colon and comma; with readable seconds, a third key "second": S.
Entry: {"hour": 4, "minute": 6}
